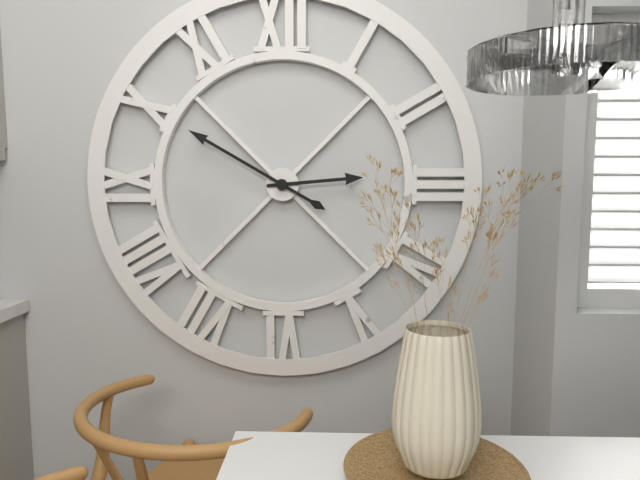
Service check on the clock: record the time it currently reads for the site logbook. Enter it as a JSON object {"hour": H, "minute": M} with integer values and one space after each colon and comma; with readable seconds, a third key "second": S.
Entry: {"hour": 2, "minute": 50}
